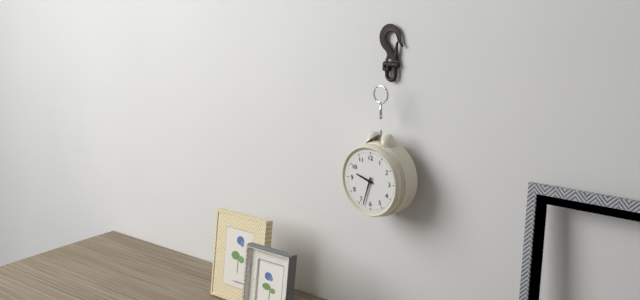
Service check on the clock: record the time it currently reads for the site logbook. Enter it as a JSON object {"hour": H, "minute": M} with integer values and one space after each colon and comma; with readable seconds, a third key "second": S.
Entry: {"hour": 9, "minute": 33}
